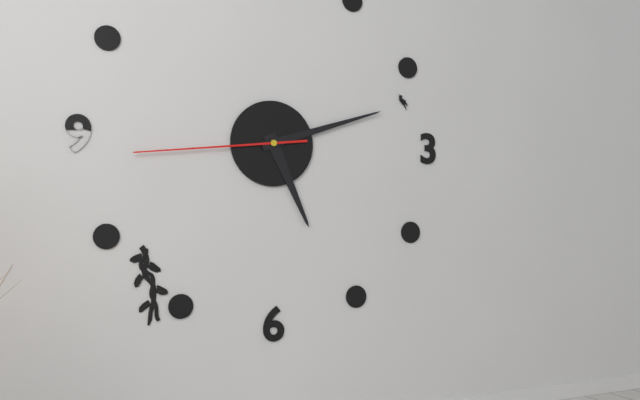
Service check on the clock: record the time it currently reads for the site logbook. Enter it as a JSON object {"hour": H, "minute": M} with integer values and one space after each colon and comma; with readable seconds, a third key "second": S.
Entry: {"hour": 5, "minute": 12, "second": 44}
